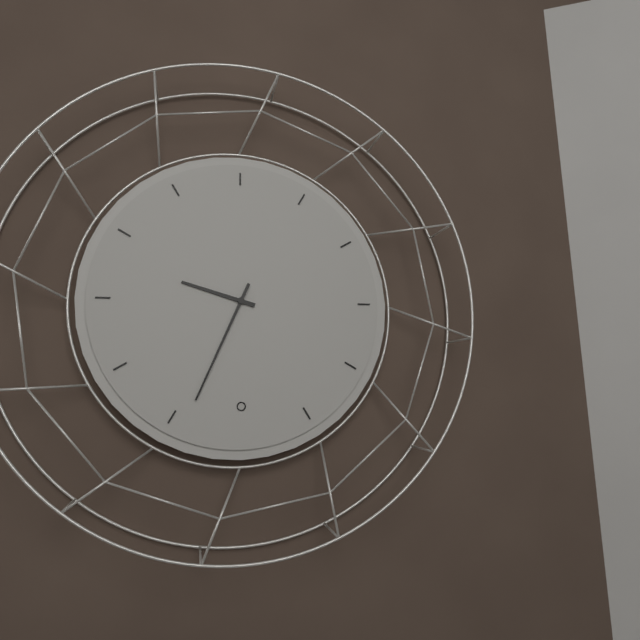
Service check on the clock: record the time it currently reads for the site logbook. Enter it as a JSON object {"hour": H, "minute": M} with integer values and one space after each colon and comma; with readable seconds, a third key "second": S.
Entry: {"hour": 9, "minute": 34}
